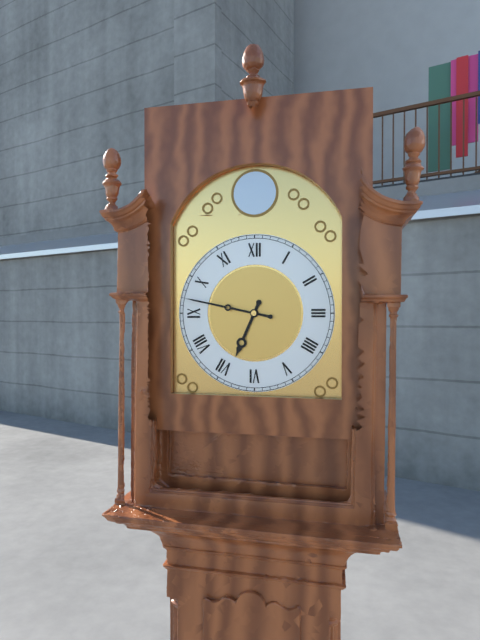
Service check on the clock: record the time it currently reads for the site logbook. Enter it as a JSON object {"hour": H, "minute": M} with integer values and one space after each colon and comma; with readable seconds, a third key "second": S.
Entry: {"hour": 6, "minute": 47}
